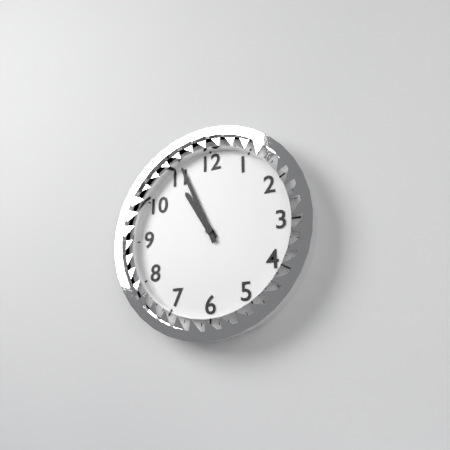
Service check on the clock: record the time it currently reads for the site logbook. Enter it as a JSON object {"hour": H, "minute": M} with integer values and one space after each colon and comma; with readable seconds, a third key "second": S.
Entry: {"hour": 10, "minute": 56}
